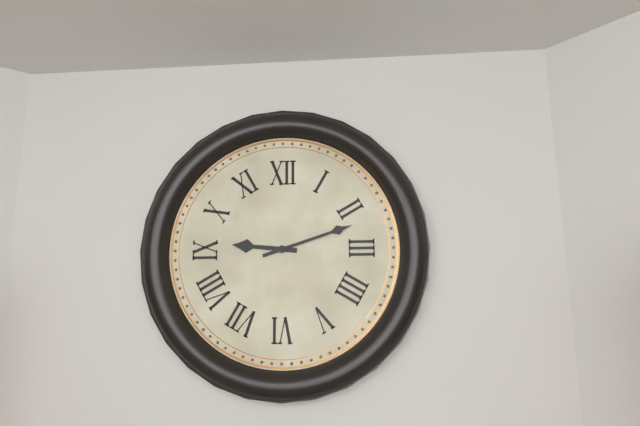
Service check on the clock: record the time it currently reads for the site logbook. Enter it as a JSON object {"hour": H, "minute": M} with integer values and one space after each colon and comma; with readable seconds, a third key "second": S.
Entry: {"hour": 9, "minute": 12}
